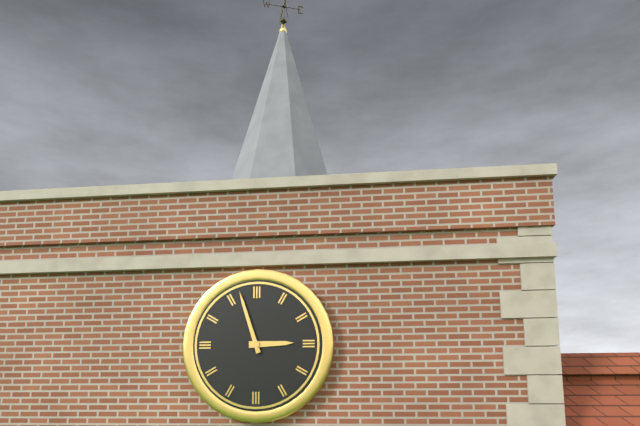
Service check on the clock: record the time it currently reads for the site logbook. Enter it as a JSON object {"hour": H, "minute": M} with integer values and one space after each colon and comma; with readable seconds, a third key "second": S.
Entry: {"hour": 2, "minute": 57}
